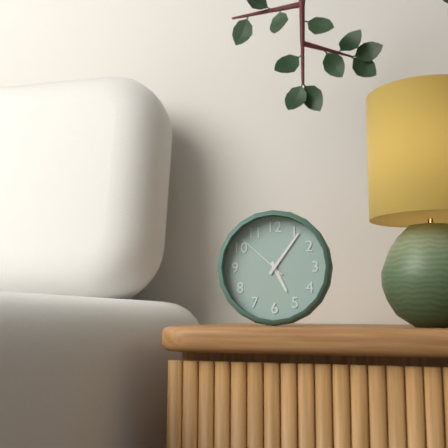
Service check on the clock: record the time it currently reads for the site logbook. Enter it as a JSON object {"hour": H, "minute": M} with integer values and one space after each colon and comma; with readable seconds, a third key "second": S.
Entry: {"hour": 5, "minute": 6, "second": 52}
